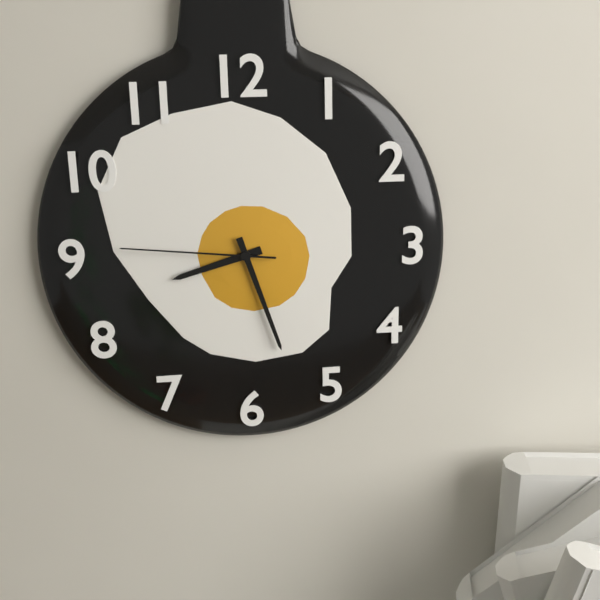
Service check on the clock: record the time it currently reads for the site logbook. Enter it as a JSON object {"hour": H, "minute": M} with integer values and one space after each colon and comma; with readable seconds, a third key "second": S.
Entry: {"hour": 8, "minute": 27, "second": 46}
